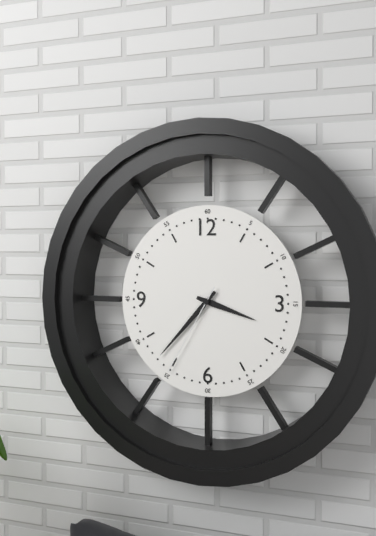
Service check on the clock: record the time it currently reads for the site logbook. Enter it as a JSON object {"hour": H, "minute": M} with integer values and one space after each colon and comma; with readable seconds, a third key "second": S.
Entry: {"hour": 3, "minute": 37, "second": 35}
